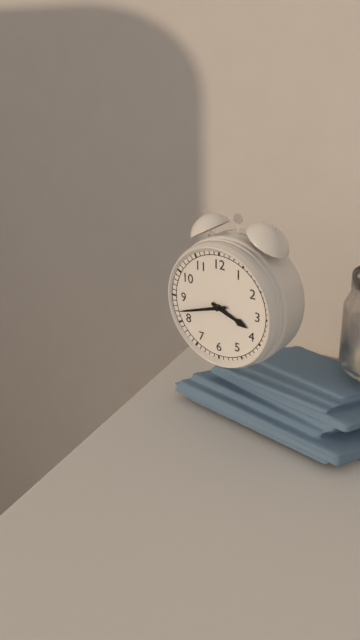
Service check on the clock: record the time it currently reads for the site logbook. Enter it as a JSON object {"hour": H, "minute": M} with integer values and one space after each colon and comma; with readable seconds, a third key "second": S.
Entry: {"hour": 3, "minute": 42}
